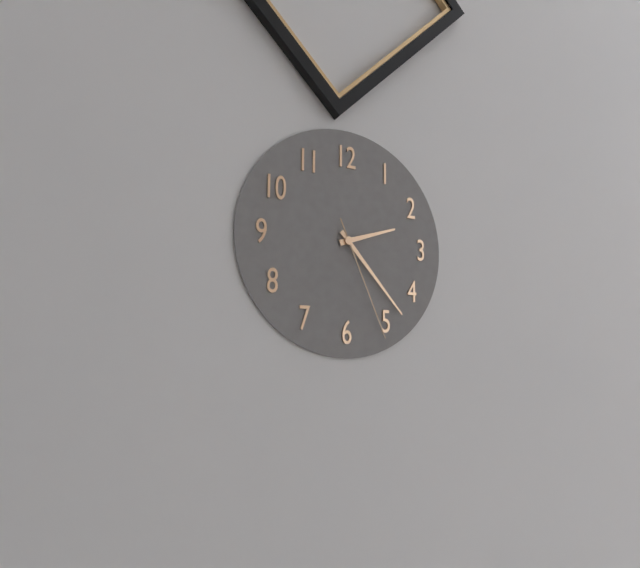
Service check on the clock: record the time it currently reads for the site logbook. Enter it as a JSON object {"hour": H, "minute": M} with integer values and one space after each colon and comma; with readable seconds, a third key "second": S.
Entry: {"hour": 2, "minute": 23, "second": 26}
